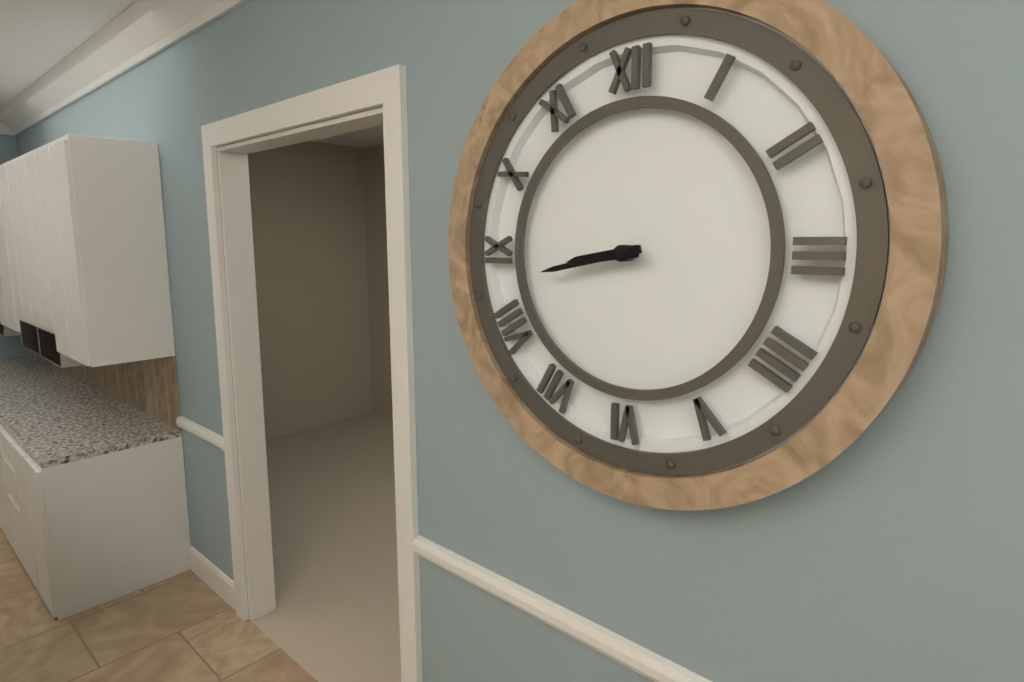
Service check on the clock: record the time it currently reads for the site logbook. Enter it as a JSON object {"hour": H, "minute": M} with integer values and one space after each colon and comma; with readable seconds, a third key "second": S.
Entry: {"hour": 8, "minute": 43}
